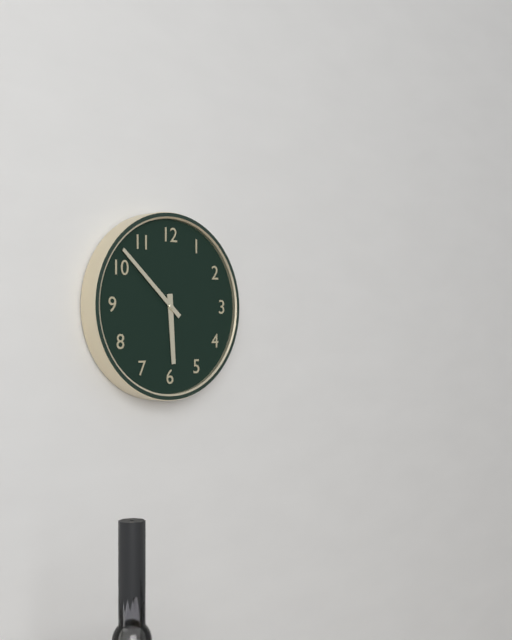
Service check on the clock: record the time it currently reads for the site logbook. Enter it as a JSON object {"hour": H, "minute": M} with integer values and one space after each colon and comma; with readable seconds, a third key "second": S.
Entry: {"hour": 5, "minute": 52}
